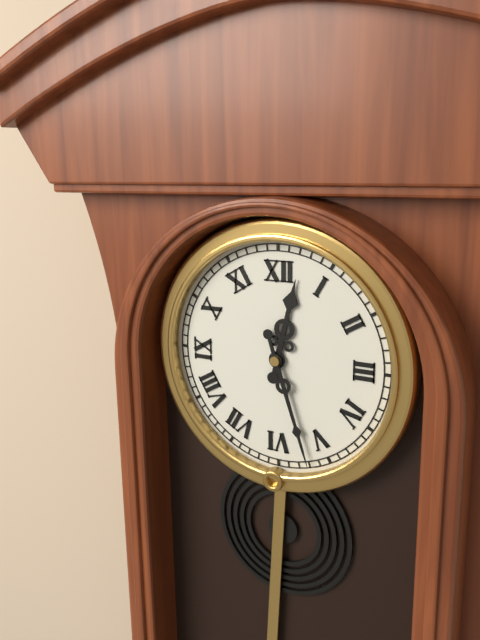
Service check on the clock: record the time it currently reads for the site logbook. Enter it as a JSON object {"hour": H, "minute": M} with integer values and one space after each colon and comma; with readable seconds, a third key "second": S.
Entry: {"hour": 12, "minute": 27}
